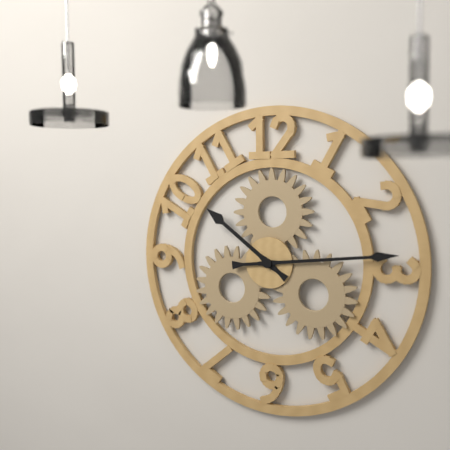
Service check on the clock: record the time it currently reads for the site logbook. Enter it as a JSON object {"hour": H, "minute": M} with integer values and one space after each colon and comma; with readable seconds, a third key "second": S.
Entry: {"hour": 10, "minute": 14}
